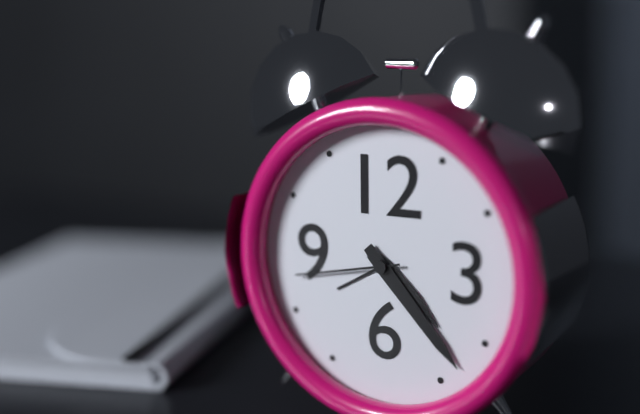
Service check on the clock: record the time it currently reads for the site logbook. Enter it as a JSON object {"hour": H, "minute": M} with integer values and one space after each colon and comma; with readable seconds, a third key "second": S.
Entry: {"hour": 4, "minute": 23, "second": 43}
